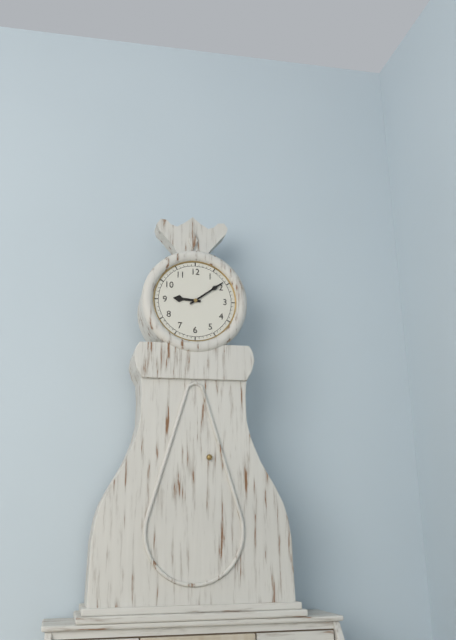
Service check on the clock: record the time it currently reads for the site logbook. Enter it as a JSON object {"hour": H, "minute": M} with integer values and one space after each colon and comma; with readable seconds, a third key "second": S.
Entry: {"hour": 9, "minute": 9}
